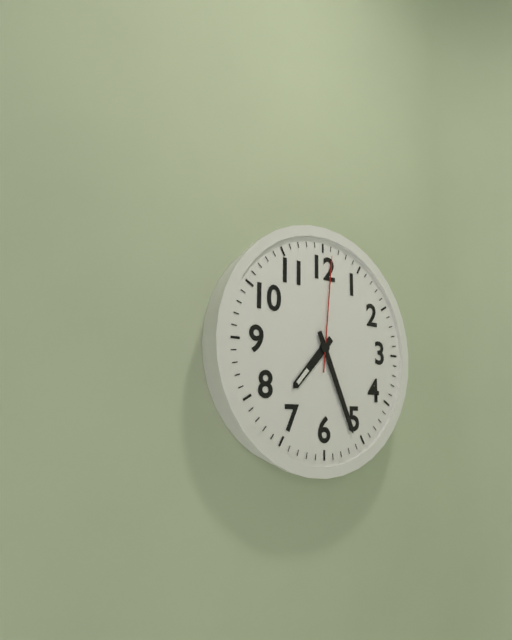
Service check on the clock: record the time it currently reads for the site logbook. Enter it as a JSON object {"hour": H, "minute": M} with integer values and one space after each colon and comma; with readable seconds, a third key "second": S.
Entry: {"hour": 7, "minute": 26, "second": 1}
